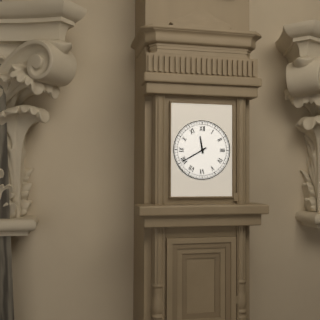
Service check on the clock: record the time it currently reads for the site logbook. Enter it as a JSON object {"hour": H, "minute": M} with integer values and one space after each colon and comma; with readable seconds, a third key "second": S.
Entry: {"hour": 11, "minute": 40}
